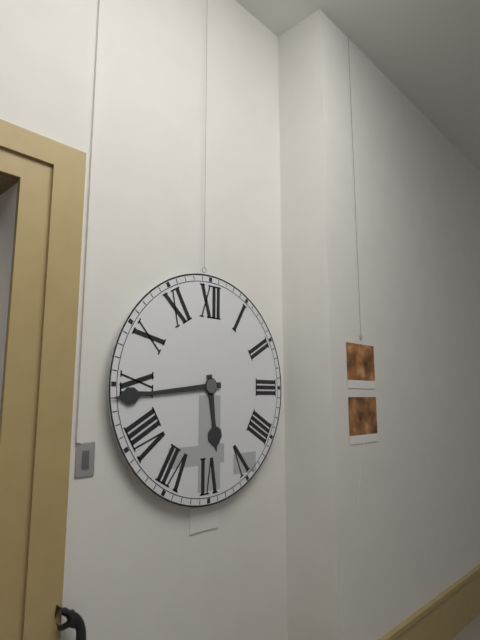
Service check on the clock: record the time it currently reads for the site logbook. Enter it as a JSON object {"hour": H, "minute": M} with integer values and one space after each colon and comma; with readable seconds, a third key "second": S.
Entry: {"hour": 5, "minute": 44}
